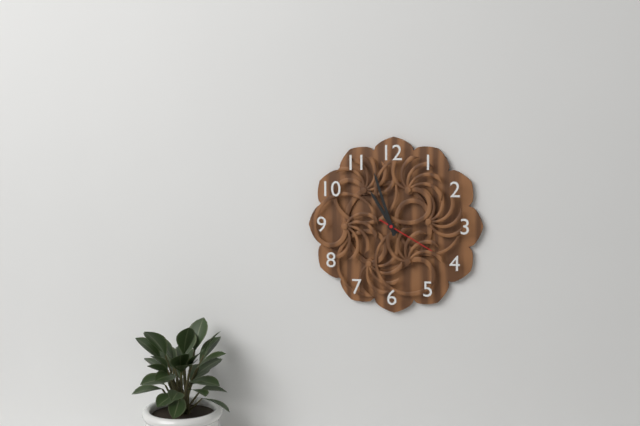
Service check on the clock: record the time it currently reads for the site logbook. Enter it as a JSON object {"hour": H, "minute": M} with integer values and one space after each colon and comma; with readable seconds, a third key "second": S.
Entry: {"hour": 10, "minute": 57, "second": 20}
